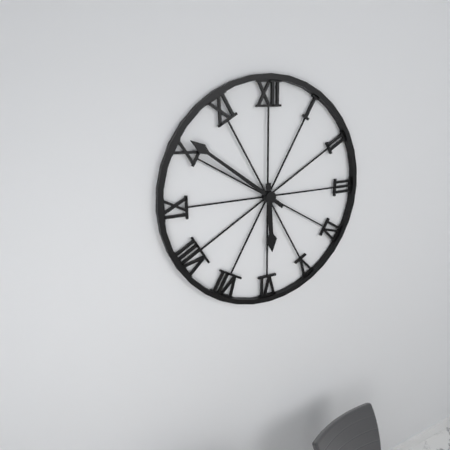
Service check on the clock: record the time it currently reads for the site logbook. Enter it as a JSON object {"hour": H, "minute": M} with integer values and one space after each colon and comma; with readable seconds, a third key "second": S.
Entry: {"hour": 5, "minute": 51}
